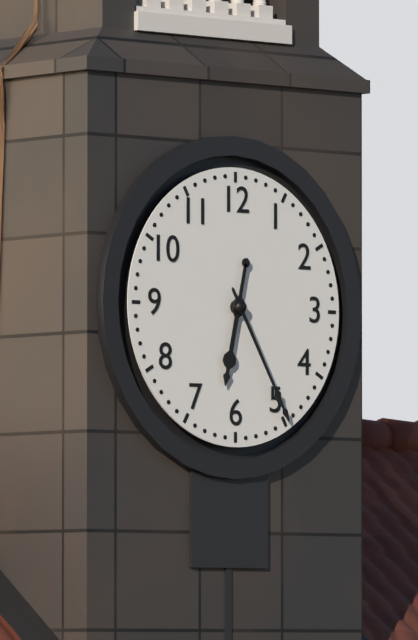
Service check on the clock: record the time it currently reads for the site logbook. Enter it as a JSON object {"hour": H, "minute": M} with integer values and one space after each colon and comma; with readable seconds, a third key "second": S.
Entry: {"hour": 6, "minute": 25}
